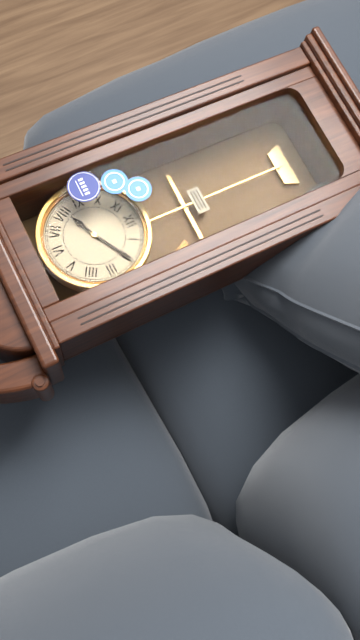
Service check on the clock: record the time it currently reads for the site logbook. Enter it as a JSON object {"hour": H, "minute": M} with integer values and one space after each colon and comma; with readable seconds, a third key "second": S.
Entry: {"hour": 8, "minute": 10}
